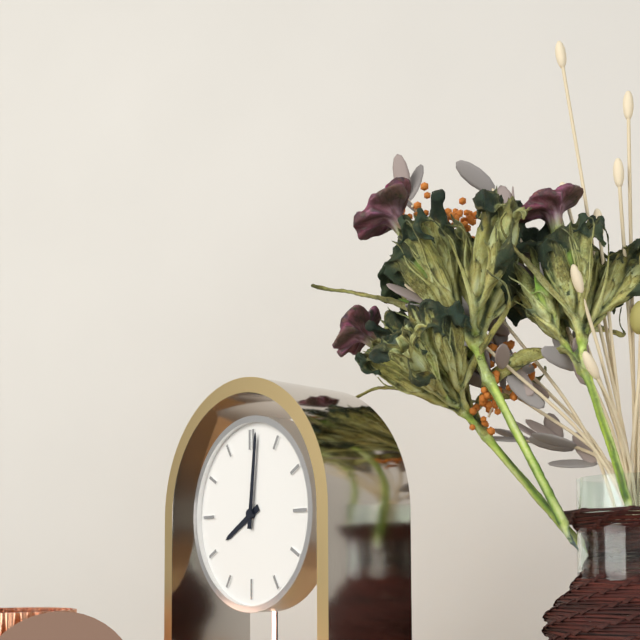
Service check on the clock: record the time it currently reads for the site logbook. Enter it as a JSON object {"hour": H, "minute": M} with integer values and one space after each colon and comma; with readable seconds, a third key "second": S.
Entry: {"hour": 8, "minute": 1}
